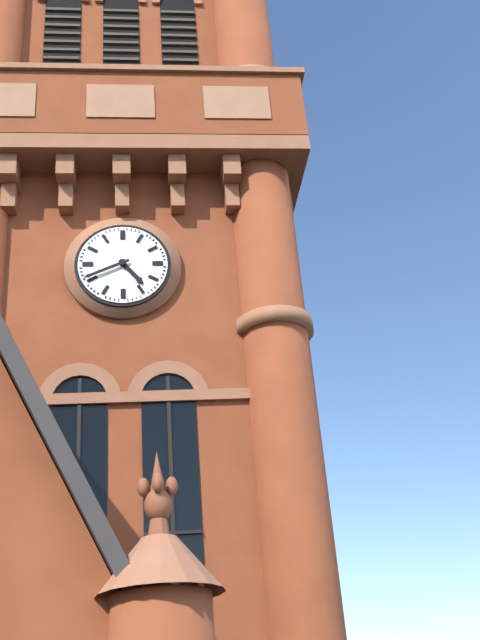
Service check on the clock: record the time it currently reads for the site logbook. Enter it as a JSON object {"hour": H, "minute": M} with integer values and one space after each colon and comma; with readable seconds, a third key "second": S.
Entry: {"hour": 4, "minute": 41}
